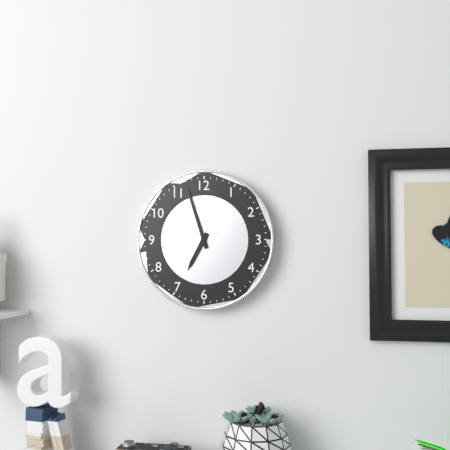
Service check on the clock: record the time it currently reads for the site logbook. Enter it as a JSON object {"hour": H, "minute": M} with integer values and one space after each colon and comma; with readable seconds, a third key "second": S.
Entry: {"hour": 6, "minute": 57}
